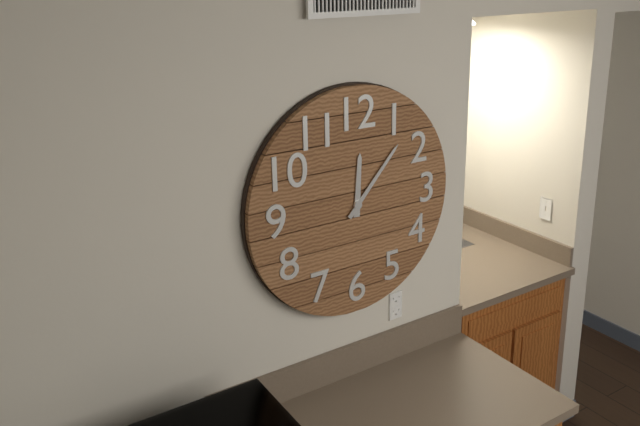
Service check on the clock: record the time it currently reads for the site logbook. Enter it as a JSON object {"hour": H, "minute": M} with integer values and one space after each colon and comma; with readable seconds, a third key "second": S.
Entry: {"hour": 12, "minute": 7}
